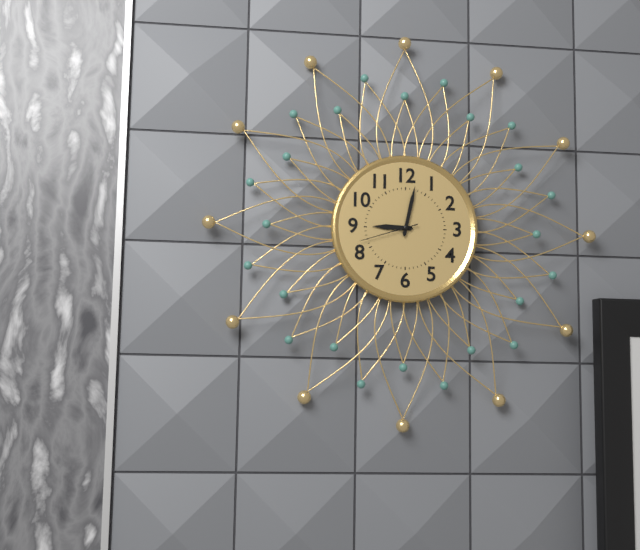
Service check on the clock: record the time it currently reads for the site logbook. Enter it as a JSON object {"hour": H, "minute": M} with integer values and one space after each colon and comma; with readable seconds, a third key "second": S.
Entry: {"hour": 9, "minute": 2, "second": 42}
